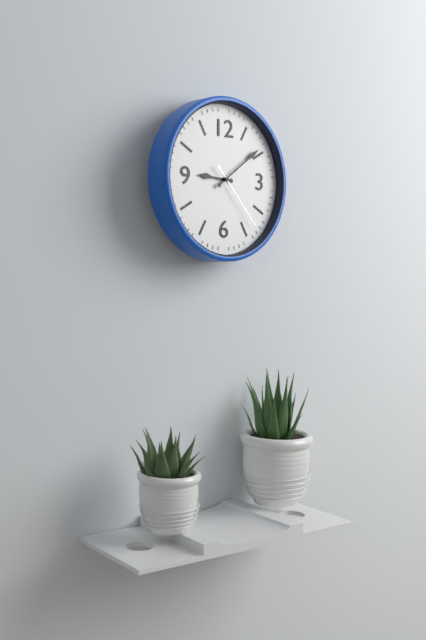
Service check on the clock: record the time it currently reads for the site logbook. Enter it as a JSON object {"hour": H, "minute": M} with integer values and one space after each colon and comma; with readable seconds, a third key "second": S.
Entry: {"hour": 9, "minute": 9, "second": 23}
